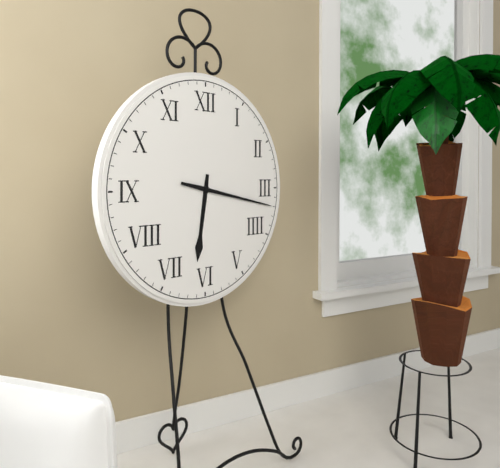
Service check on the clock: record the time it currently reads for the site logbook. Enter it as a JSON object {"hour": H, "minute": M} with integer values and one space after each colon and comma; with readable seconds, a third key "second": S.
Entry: {"hour": 6, "minute": 17}
